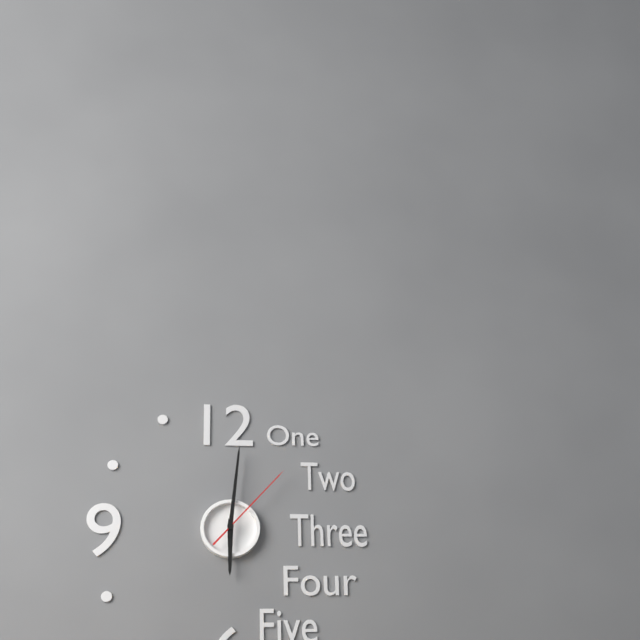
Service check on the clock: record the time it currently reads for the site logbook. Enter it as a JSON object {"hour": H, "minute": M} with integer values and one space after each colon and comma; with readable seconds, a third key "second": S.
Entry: {"hour": 6, "minute": 1, "second": 7}
